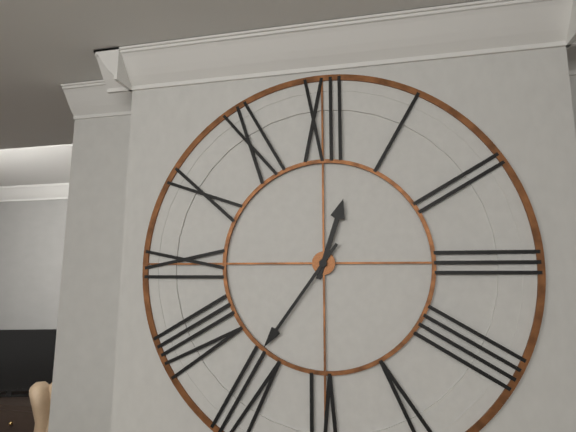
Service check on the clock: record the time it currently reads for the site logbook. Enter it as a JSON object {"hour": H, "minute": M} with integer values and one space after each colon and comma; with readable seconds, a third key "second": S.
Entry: {"hour": 12, "minute": 36}
